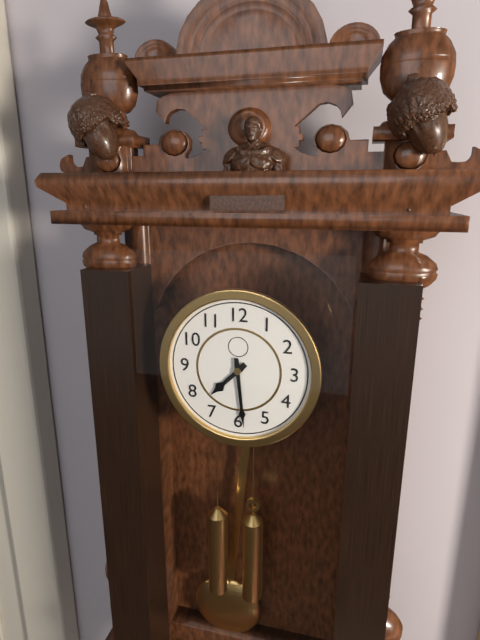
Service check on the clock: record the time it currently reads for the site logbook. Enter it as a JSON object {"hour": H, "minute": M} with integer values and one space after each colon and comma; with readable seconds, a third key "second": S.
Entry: {"hour": 7, "minute": 29}
